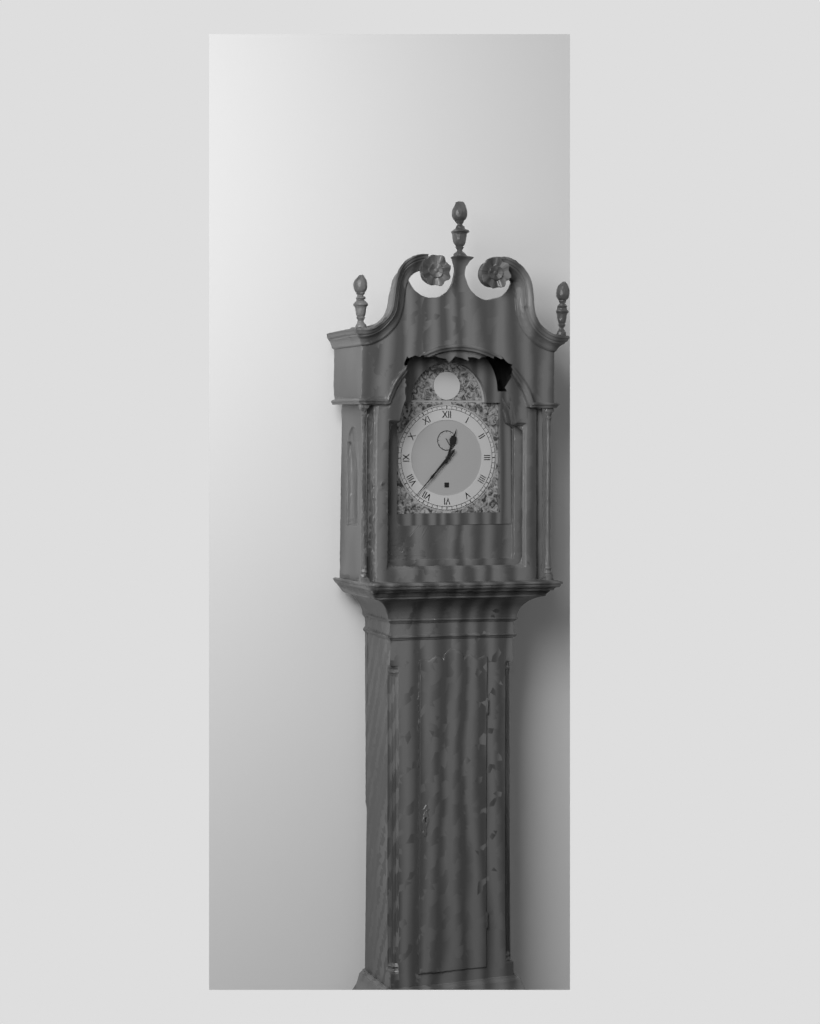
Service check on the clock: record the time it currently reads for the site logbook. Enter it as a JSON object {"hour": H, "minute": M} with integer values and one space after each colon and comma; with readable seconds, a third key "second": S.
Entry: {"hour": 12, "minute": 37}
